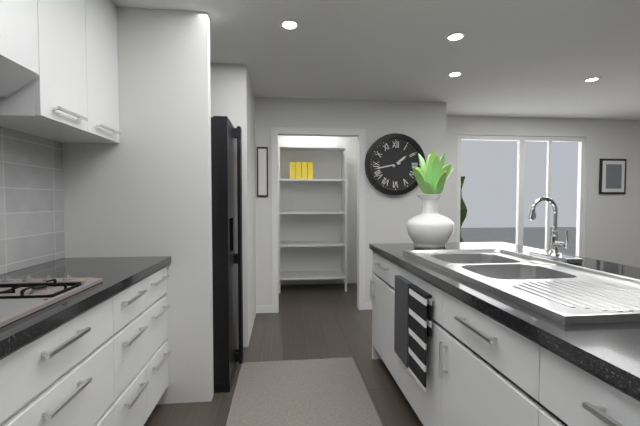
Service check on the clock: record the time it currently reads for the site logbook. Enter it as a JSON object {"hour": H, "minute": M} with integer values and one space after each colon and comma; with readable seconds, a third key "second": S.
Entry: {"hour": 1, "minute": 43}
